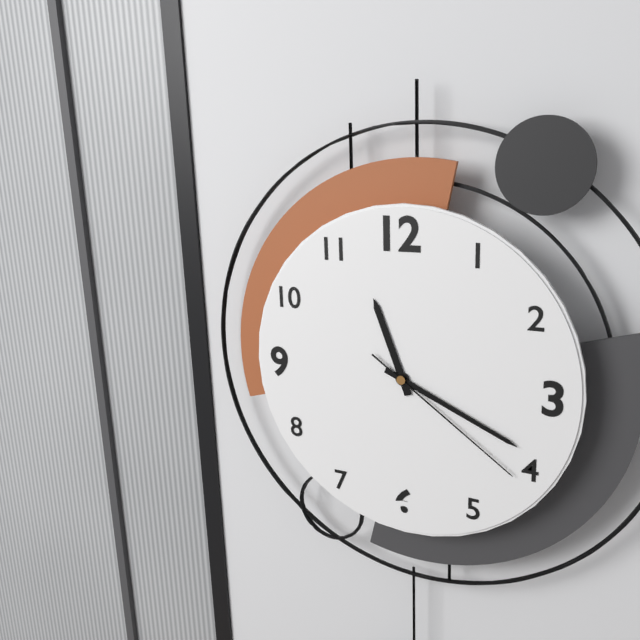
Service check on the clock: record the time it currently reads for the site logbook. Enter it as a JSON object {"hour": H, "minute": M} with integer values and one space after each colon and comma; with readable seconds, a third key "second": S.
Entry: {"hour": 11, "minute": 19, "second": 21}
